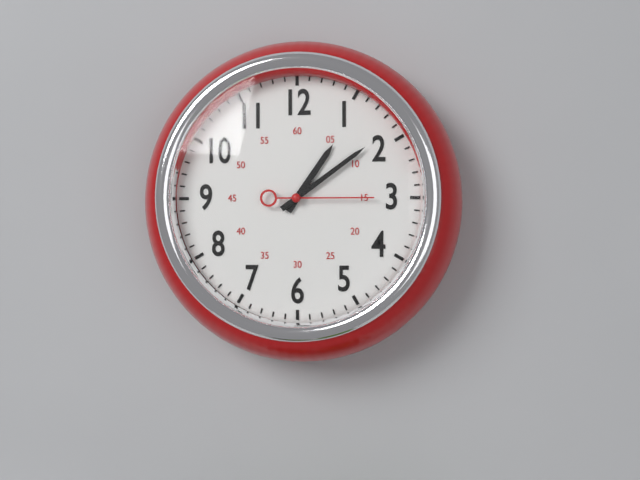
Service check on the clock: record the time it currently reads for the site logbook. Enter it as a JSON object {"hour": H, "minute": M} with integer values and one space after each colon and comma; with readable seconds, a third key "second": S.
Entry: {"hour": 1, "minute": 9, "second": 15}
